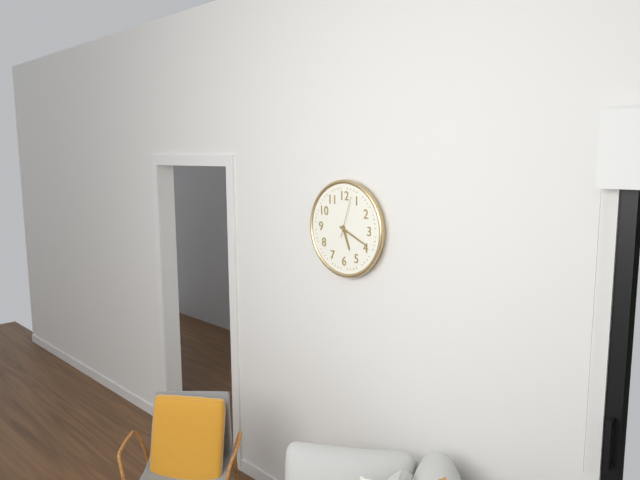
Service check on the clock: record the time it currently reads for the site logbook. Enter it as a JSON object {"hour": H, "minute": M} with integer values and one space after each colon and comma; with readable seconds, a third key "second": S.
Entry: {"hour": 5, "minute": 19}
